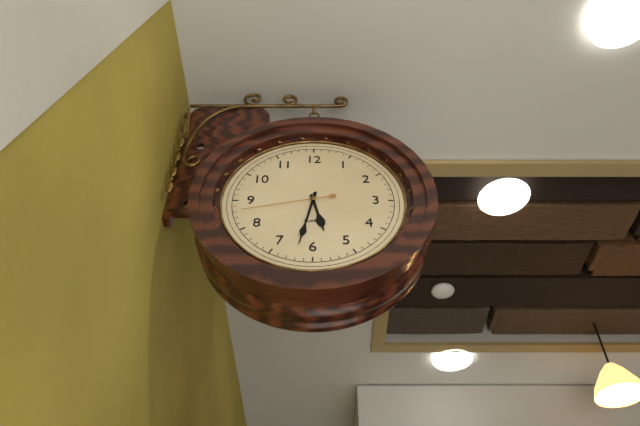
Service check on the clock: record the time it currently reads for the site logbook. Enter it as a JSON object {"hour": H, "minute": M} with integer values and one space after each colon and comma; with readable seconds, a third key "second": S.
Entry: {"hour": 5, "minute": 32, "second": 43}
